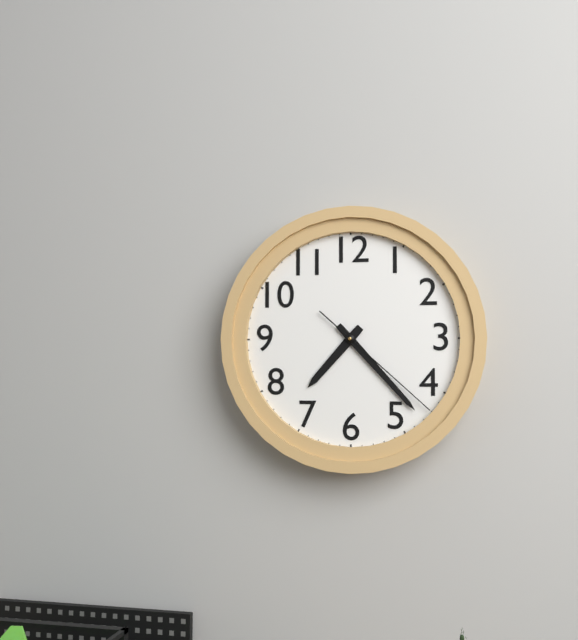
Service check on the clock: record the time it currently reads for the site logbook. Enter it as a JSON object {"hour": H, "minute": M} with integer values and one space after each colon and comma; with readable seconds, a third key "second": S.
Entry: {"hour": 7, "minute": 23, "second": 22}
